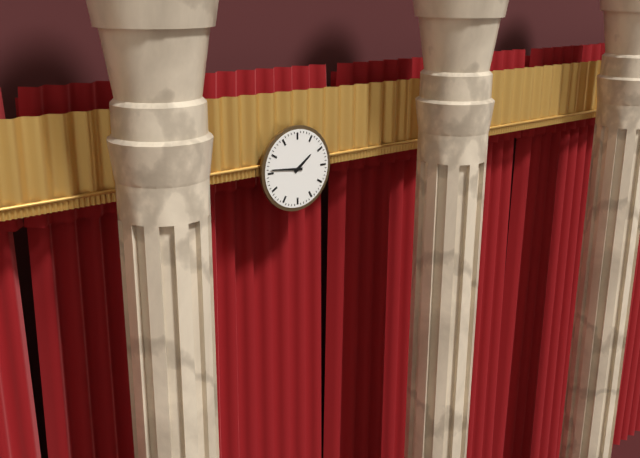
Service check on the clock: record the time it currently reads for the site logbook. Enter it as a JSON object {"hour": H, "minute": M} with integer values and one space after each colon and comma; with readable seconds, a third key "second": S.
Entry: {"hour": 1, "minute": 46}
